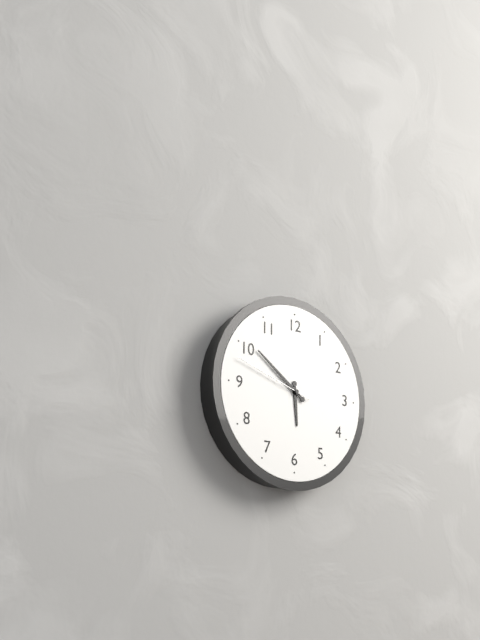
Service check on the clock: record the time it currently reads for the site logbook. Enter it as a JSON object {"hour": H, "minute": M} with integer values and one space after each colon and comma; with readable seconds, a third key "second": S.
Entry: {"hour": 5, "minute": 51, "second": 48}
